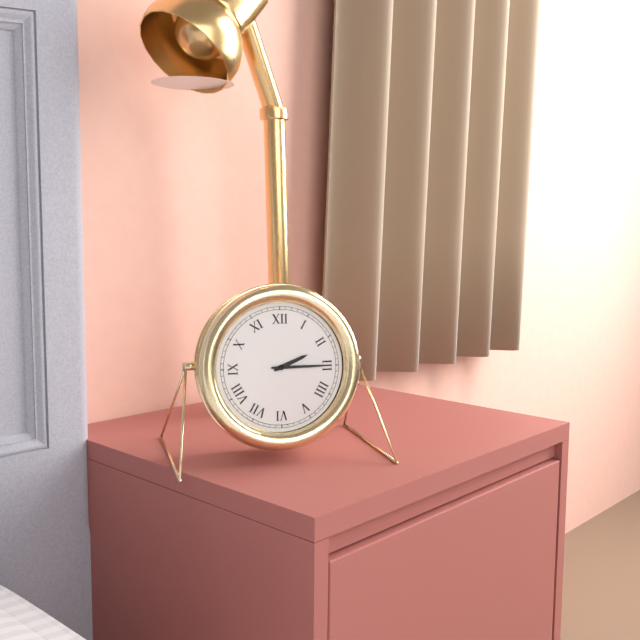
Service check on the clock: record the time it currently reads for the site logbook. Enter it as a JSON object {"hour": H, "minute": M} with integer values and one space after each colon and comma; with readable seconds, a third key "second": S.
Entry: {"hour": 2, "minute": 15}
